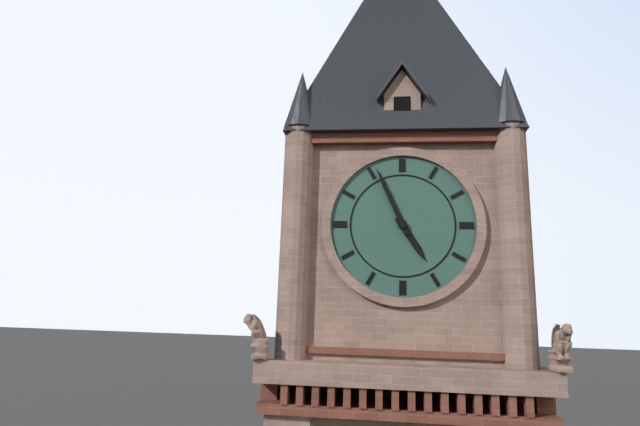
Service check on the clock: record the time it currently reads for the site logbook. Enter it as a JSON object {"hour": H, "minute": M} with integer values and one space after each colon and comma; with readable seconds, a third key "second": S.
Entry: {"hour": 4, "minute": 56}
